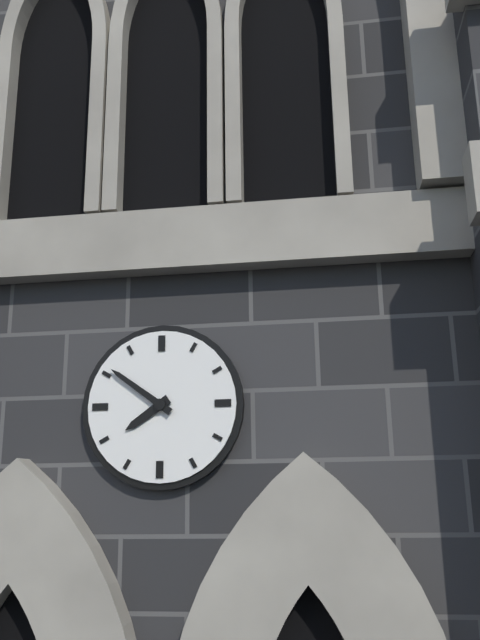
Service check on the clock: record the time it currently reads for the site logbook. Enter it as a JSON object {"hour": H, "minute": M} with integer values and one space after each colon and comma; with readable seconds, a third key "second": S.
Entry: {"hour": 7, "minute": 51}
